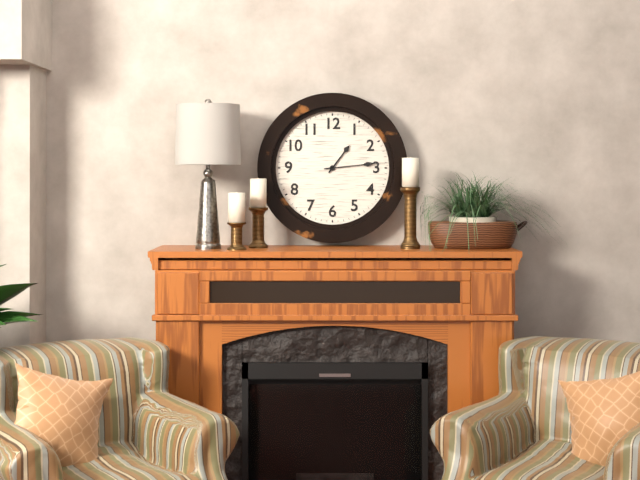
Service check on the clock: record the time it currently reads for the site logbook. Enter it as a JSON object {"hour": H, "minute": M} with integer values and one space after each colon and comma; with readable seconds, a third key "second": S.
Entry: {"hour": 1, "minute": 14}
